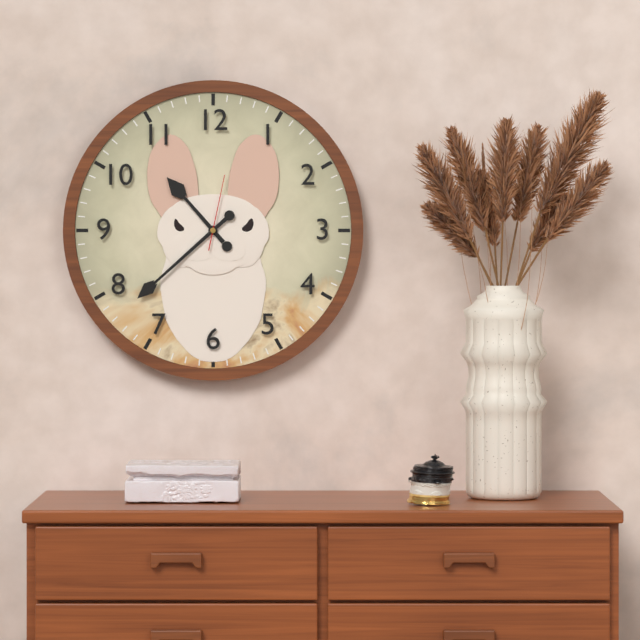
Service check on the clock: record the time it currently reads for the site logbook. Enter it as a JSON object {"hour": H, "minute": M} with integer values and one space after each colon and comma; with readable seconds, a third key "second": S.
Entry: {"hour": 10, "minute": 38, "second": 2}
